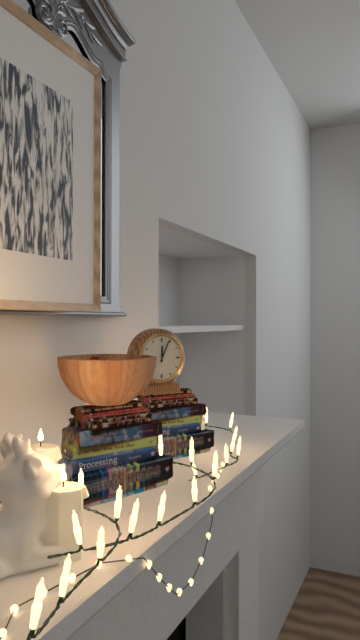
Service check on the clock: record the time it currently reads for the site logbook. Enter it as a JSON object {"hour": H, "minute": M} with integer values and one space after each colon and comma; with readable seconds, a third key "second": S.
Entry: {"hour": 12, "minute": 4}
